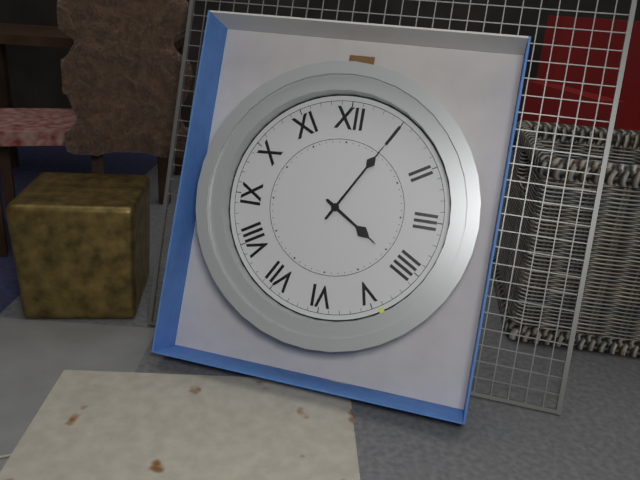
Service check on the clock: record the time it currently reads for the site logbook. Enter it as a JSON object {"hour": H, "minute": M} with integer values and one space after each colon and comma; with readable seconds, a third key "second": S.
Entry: {"hour": 4, "minute": 5}
